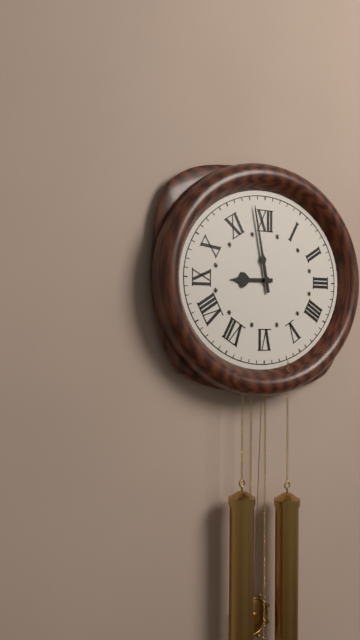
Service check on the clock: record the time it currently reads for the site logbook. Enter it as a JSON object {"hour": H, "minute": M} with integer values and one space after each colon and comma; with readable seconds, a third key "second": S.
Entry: {"hour": 8, "minute": 58}
